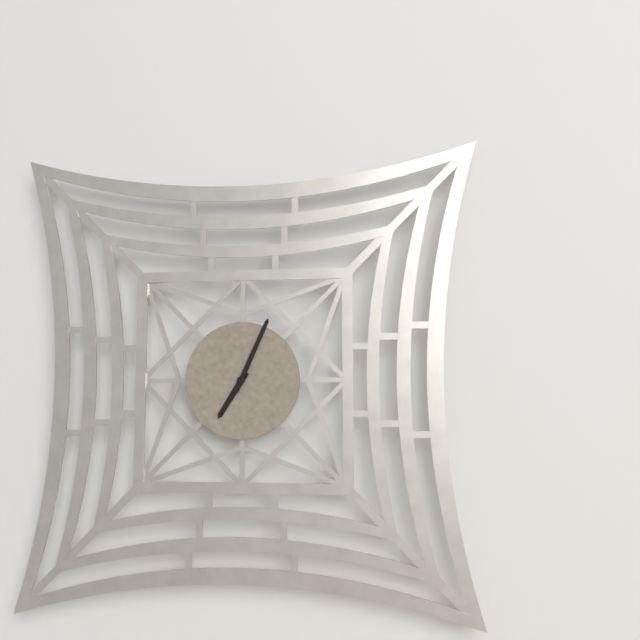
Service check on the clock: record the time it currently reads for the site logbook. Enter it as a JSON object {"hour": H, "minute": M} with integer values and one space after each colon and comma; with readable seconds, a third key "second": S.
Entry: {"hour": 7, "minute": 4}
